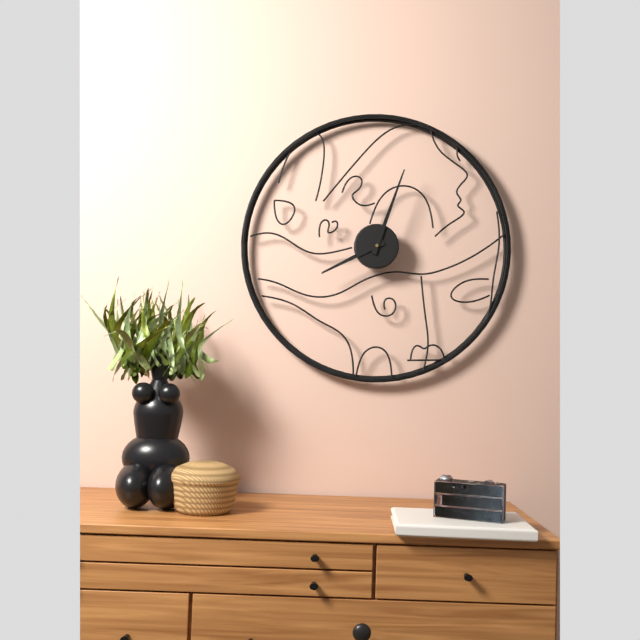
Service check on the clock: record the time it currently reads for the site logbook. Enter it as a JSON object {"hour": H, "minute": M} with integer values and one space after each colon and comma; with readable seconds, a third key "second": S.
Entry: {"hour": 8, "minute": 3}
